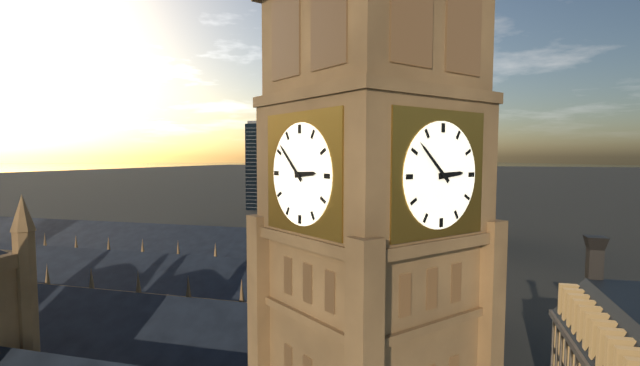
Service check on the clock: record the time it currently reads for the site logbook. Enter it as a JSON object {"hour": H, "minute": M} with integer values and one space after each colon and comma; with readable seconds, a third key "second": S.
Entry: {"hour": 2, "minute": 52}
